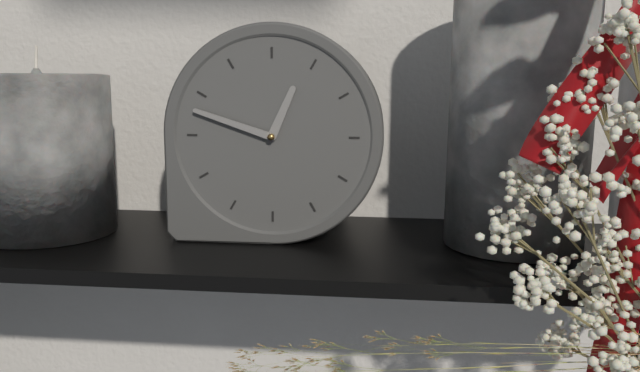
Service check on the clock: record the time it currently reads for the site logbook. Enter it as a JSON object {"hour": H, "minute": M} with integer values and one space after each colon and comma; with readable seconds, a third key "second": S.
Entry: {"hour": 12, "minute": 48}
